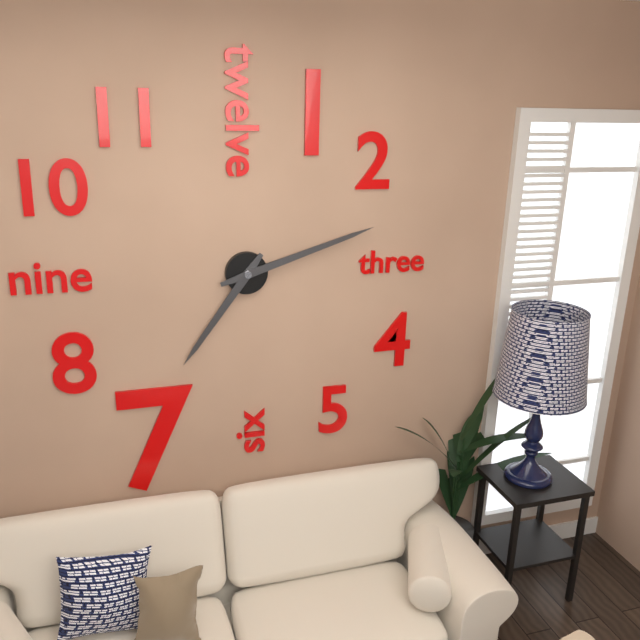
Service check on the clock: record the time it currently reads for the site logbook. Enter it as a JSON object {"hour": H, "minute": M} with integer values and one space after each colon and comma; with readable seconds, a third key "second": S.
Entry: {"hour": 7, "minute": 12}
